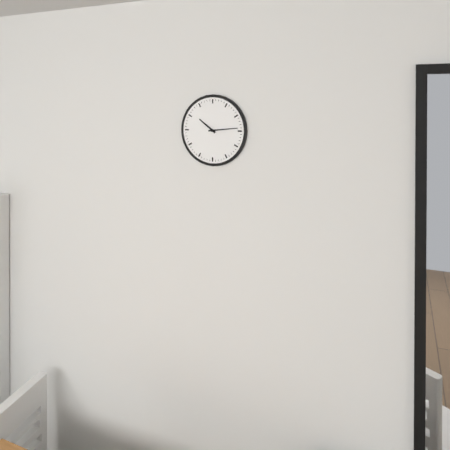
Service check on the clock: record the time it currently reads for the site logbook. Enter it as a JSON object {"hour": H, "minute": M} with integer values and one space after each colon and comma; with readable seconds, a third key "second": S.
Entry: {"hour": 10, "minute": 14}
